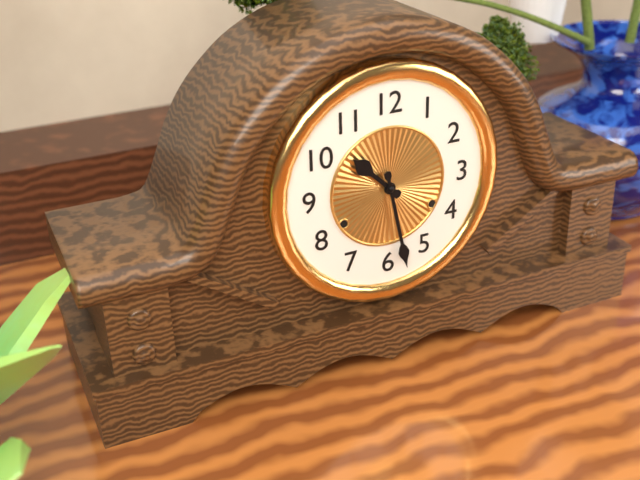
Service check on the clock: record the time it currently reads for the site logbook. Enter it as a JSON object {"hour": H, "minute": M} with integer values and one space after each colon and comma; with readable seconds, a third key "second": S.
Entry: {"hour": 10, "minute": 28}
